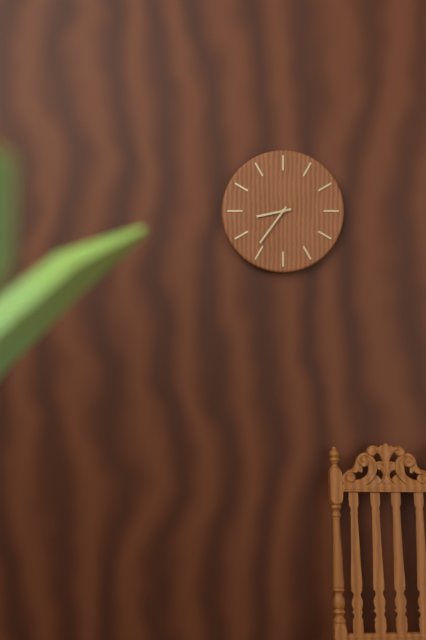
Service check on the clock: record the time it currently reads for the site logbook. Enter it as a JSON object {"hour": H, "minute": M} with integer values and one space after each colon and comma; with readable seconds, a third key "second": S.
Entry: {"hour": 8, "minute": 36}
